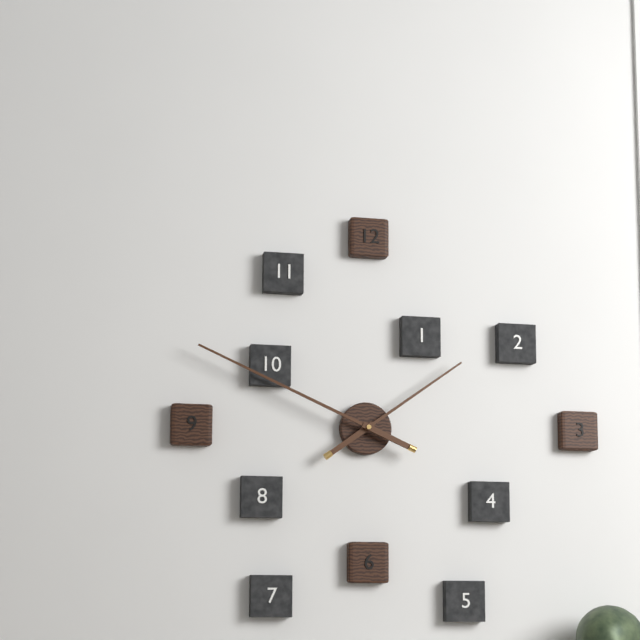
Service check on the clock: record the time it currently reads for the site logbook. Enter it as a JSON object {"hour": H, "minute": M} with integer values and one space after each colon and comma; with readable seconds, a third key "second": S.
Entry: {"hour": 1, "minute": 49}
